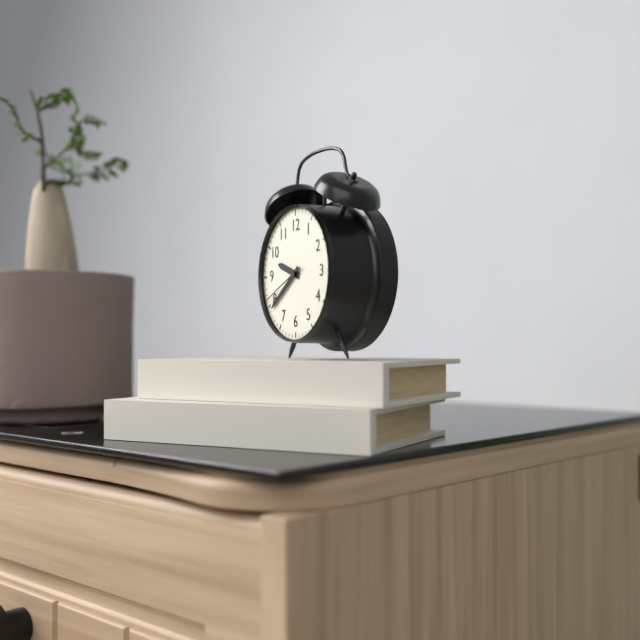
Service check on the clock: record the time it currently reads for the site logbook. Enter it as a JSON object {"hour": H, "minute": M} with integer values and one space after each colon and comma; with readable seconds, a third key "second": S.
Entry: {"hour": 9, "minute": 39}
